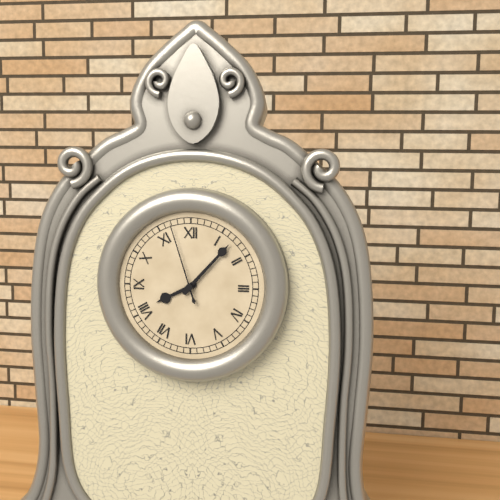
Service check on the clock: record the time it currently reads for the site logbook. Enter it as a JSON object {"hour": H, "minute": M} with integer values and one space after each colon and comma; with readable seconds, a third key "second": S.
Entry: {"hour": 8, "minute": 7, "second": 57}
